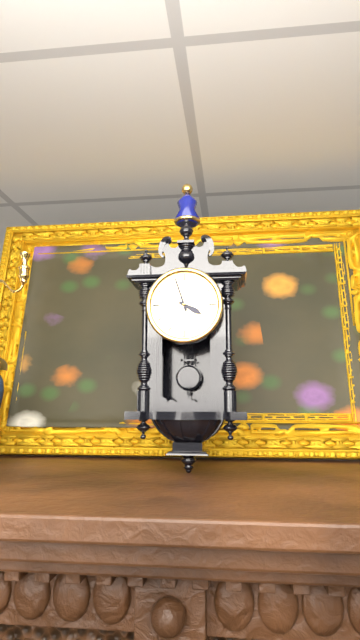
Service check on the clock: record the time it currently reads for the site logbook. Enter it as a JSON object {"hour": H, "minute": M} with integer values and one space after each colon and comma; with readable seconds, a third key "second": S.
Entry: {"hour": 3, "minute": 57}
